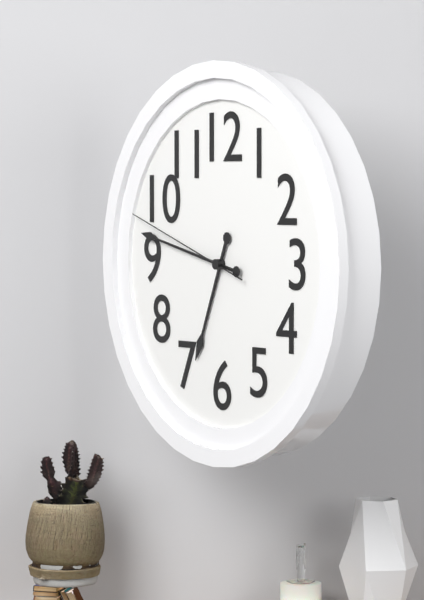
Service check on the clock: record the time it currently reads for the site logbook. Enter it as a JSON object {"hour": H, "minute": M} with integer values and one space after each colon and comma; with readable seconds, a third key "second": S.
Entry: {"hour": 6, "minute": 47, "second": 48}
